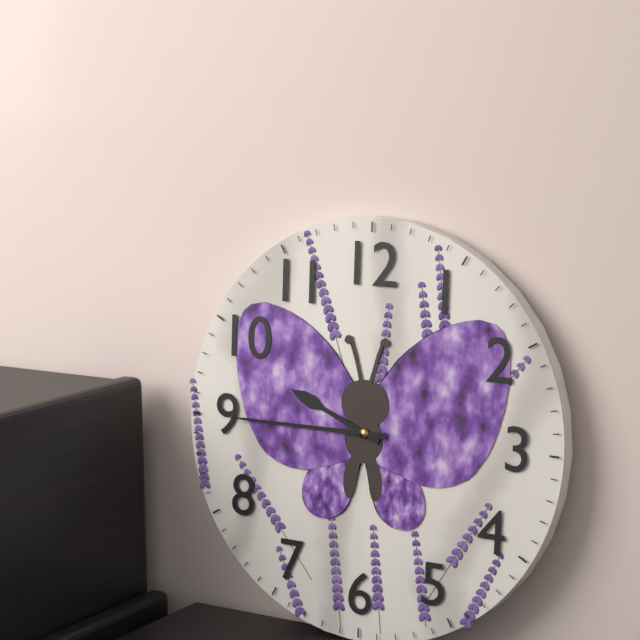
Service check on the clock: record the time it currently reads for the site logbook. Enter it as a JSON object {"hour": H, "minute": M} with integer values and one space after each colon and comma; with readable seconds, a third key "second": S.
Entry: {"hour": 9, "minute": 45}
